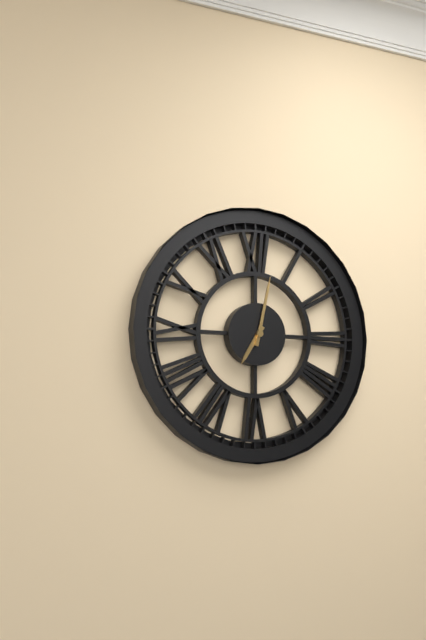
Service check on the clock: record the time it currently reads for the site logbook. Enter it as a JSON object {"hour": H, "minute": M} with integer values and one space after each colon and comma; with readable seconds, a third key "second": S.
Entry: {"hour": 7, "minute": 2}
